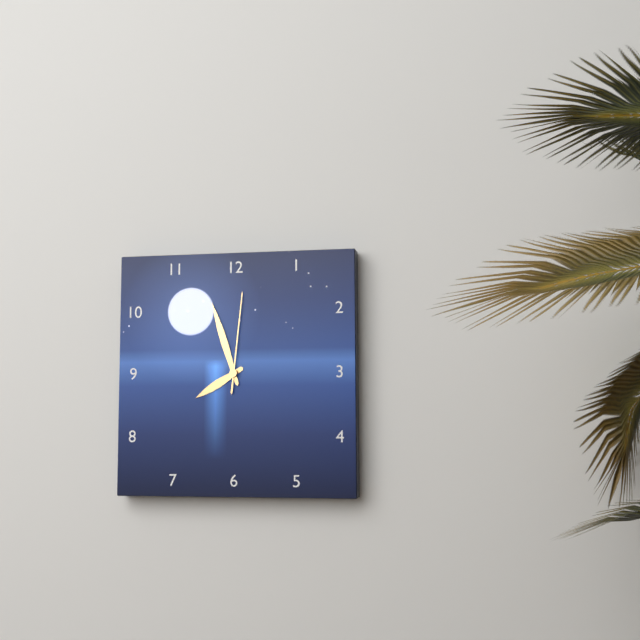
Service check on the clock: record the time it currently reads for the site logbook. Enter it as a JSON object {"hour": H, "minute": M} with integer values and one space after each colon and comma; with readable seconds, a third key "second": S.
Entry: {"hour": 7, "minute": 57, "second": 1}
